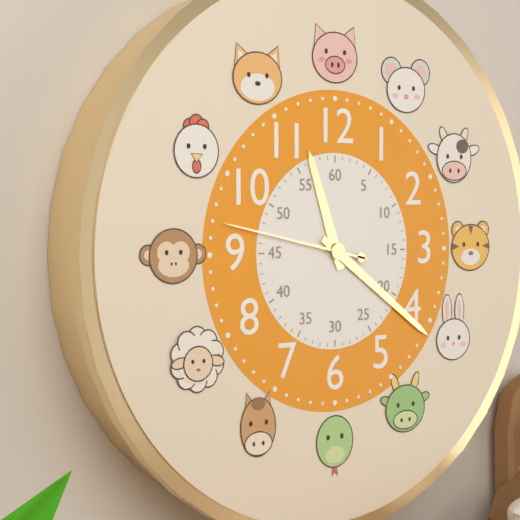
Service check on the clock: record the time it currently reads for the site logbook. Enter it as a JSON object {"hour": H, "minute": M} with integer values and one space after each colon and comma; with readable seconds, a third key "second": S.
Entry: {"hour": 11, "minute": 21, "second": 47}
